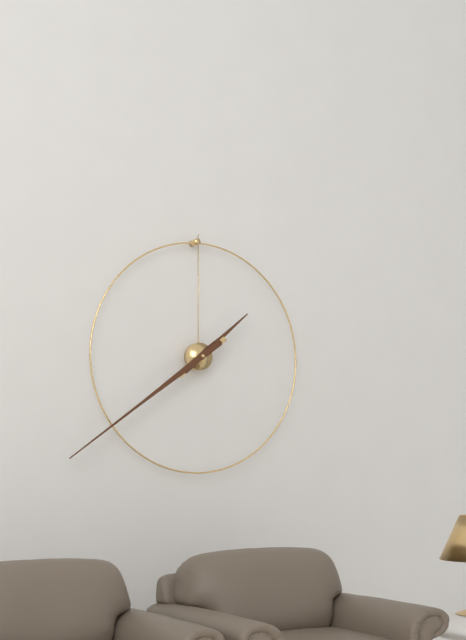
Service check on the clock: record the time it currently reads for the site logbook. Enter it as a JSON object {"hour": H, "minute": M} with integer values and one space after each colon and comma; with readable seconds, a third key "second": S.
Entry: {"hour": 1, "minute": 39}
